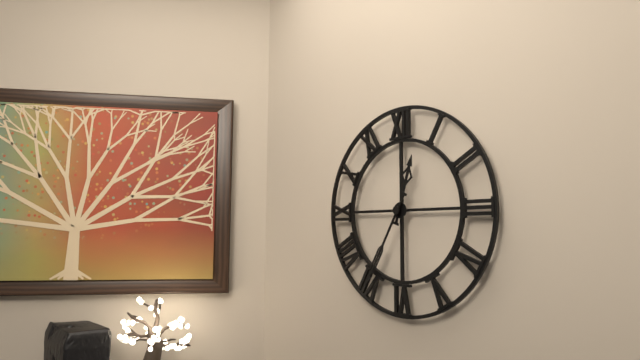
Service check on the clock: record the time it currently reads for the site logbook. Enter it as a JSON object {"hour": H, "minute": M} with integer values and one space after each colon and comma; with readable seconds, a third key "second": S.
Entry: {"hour": 12, "minute": 35}
